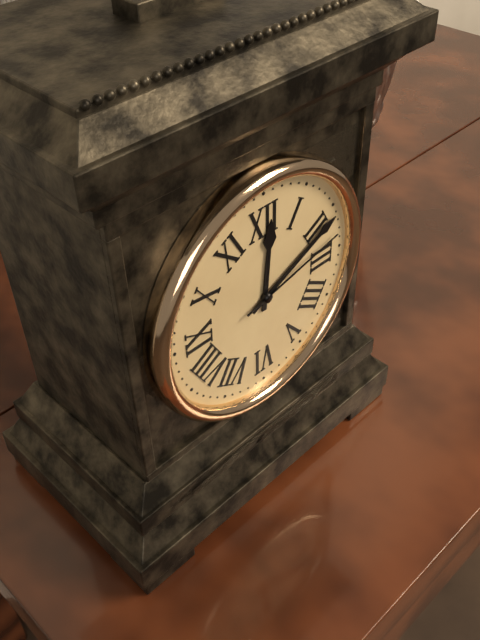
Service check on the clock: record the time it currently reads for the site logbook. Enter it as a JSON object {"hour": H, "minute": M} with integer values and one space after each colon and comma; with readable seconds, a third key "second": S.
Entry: {"hour": 12, "minute": 11, "second": 13}
